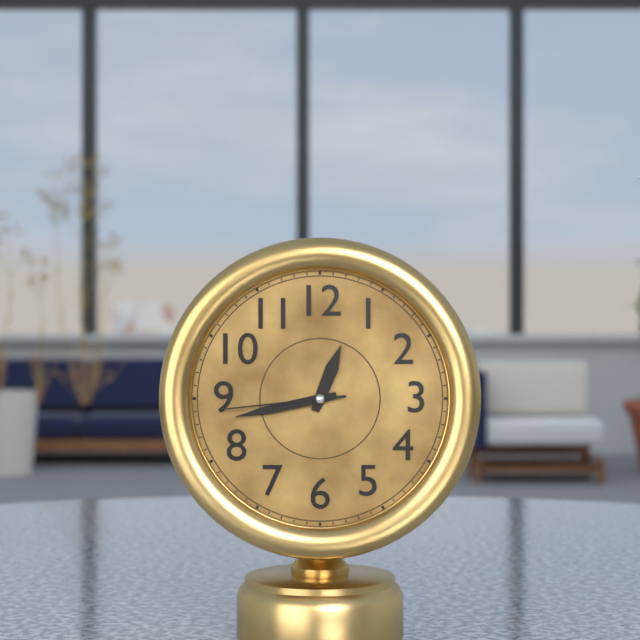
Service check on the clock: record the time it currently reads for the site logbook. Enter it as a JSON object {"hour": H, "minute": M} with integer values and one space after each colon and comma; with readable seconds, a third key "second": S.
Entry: {"hour": 12, "minute": 43, "second": 44}
